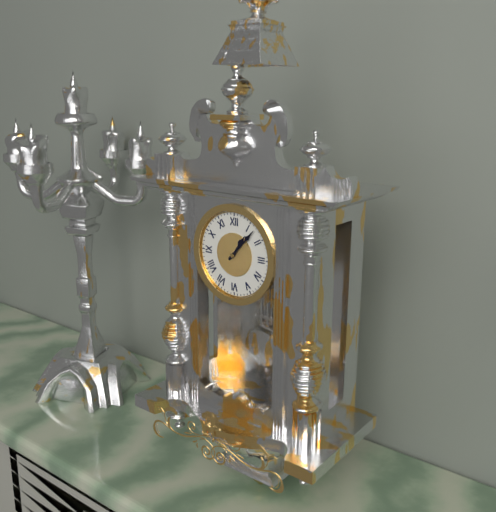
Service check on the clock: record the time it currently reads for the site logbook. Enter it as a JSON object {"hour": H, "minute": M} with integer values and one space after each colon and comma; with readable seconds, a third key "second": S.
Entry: {"hour": 1, "minute": 7}
